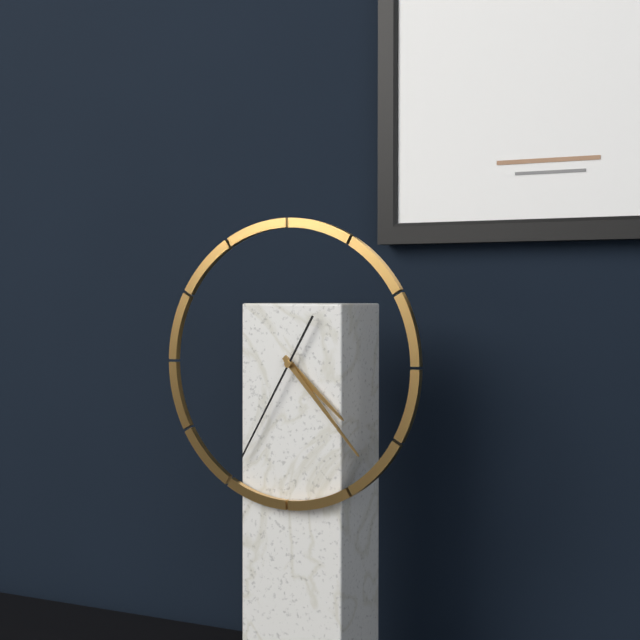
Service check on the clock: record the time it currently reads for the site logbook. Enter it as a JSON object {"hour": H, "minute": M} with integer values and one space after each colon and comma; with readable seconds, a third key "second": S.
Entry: {"hour": 4, "minute": 23, "second": 35}
